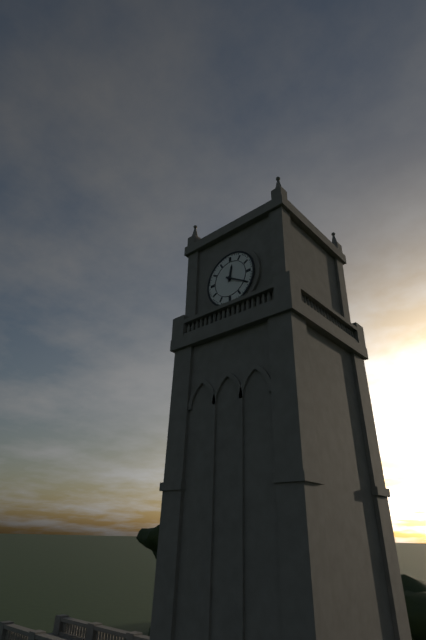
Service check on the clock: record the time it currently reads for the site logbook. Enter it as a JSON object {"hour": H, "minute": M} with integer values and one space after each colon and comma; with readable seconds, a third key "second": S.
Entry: {"hour": 12, "minute": 20}
